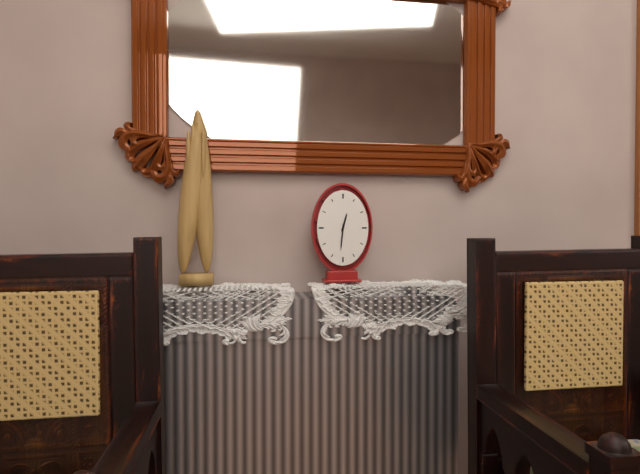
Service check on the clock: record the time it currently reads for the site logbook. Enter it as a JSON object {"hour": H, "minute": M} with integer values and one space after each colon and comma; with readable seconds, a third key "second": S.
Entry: {"hour": 12, "minute": 31}
